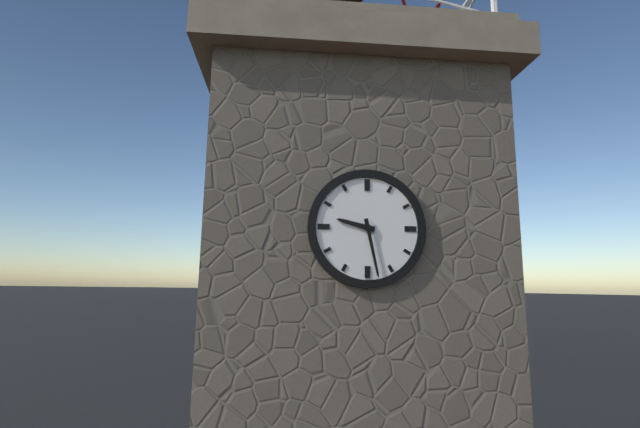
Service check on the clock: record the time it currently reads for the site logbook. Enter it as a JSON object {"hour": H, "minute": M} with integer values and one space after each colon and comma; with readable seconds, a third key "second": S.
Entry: {"hour": 9, "minute": 28}
